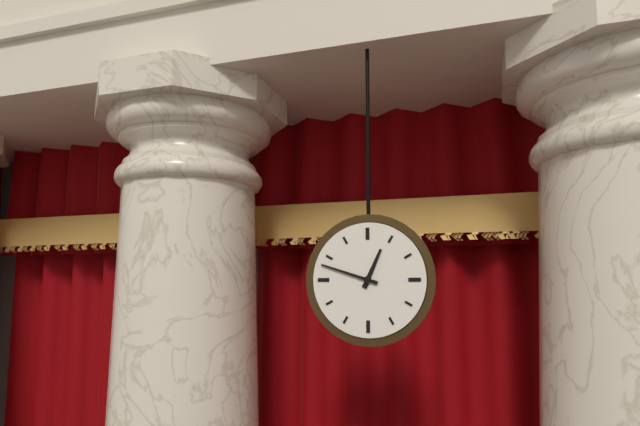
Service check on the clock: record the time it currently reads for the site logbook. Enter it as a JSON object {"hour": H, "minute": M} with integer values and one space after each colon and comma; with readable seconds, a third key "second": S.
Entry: {"hour": 12, "minute": 48}
